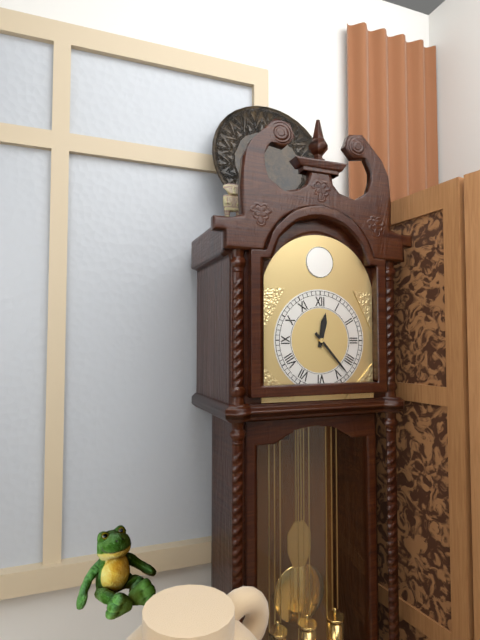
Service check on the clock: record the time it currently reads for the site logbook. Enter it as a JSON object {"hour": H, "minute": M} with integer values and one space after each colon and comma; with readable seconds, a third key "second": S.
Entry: {"hour": 12, "minute": 23}
